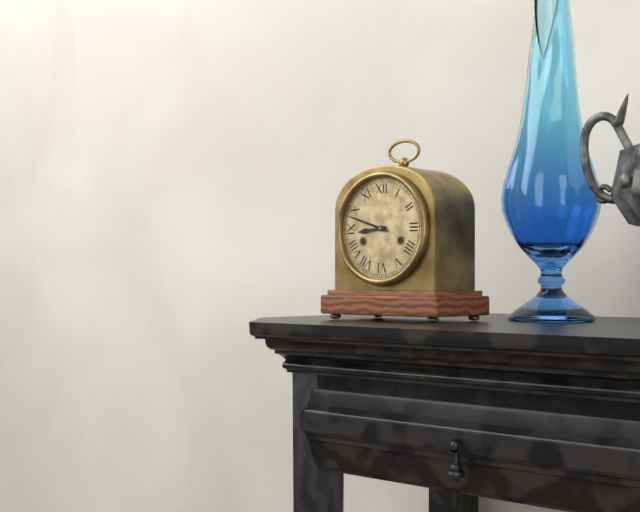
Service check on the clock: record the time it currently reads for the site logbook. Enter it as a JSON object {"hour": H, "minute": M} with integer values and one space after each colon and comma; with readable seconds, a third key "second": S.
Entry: {"hour": 8, "minute": 48}
